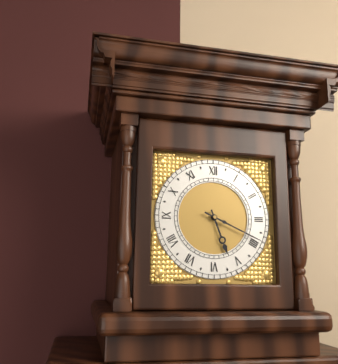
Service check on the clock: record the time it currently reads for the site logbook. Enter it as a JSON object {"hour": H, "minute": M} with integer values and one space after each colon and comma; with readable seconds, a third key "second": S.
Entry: {"hour": 5, "minute": 19}
